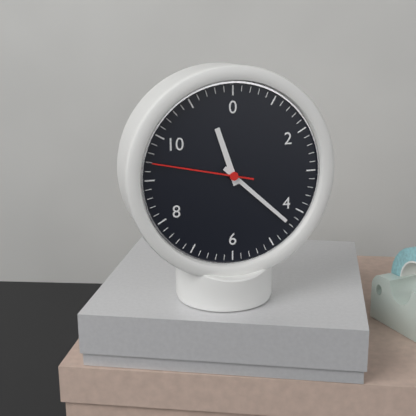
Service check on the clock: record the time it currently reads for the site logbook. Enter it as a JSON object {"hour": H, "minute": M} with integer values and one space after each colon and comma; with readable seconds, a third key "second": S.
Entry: {"hour": 11, "minute": 22, "second": 47}
